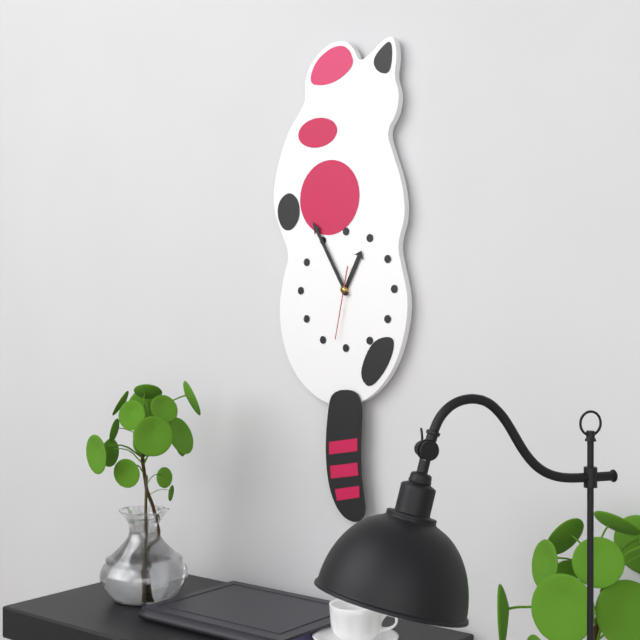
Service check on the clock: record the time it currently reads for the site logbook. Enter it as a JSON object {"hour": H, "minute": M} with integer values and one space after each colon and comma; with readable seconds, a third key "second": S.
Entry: {"hour": 12, "minute": 55, "second": 32}
